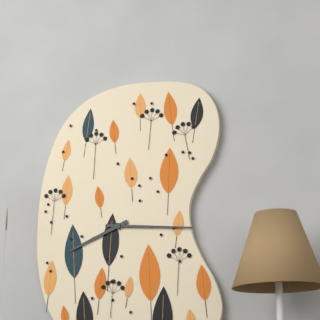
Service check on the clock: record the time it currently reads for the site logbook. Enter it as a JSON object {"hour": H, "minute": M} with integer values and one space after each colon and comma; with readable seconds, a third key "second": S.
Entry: {"hour": 8, "minute": 16}
